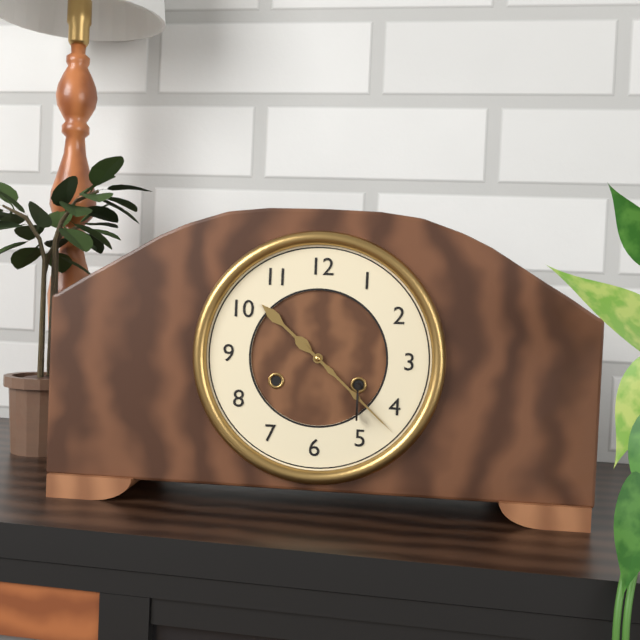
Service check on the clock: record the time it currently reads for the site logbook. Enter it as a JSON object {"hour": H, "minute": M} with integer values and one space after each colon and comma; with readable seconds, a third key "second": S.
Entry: {"hour": 10, "minute": 22}
